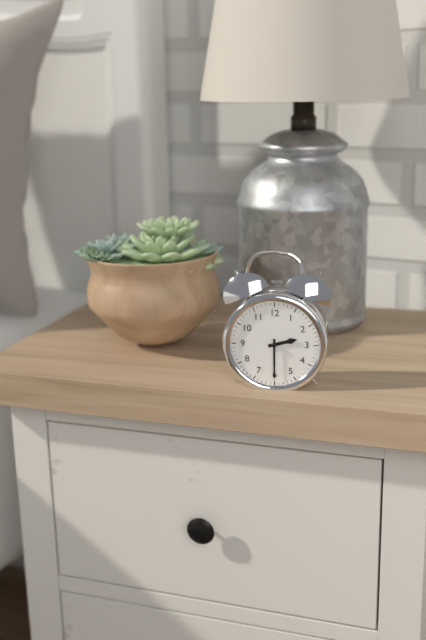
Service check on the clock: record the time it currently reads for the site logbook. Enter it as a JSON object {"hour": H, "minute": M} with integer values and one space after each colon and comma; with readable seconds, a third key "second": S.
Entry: {"hour": 2, "minute": 30}
